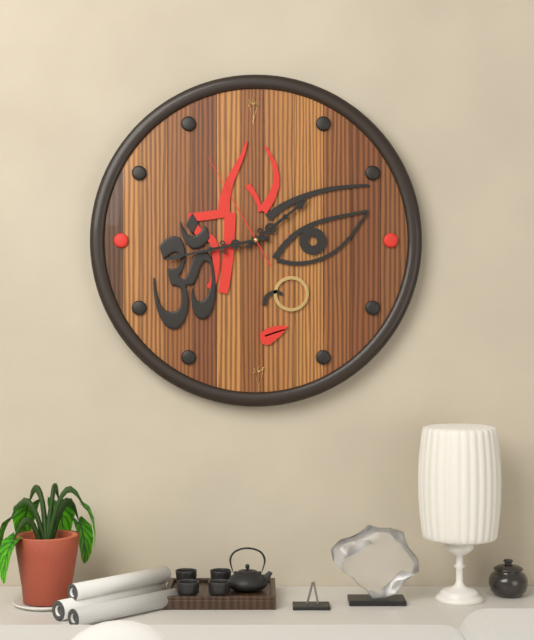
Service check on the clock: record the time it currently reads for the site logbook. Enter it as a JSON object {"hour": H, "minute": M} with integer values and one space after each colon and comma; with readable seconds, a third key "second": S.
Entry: {"hour": 1, "minute": 43, "second": 55}
